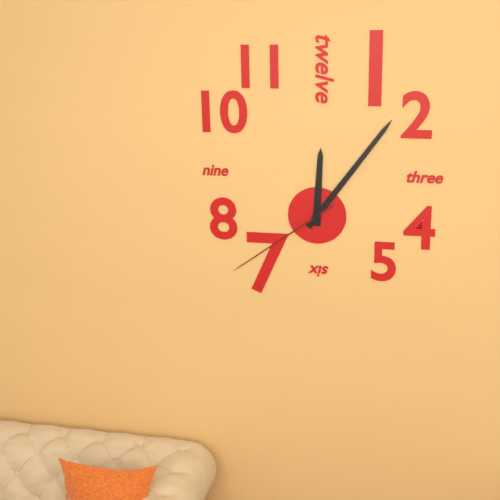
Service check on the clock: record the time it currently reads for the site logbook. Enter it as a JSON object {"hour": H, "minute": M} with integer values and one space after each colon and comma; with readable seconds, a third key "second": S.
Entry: {"hour": 12, "minute": 6, "second": 39}
